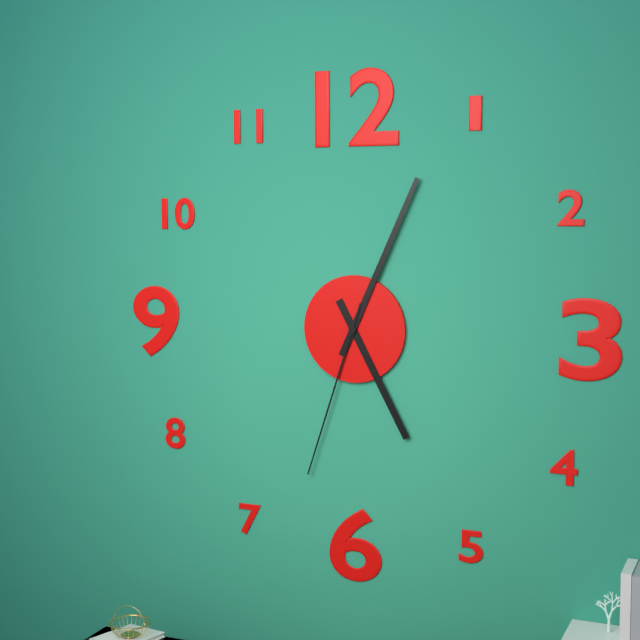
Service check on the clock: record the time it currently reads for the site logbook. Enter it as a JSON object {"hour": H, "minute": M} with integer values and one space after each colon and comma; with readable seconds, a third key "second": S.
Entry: {"hour": 5, "minute": 4, "second": 33}
